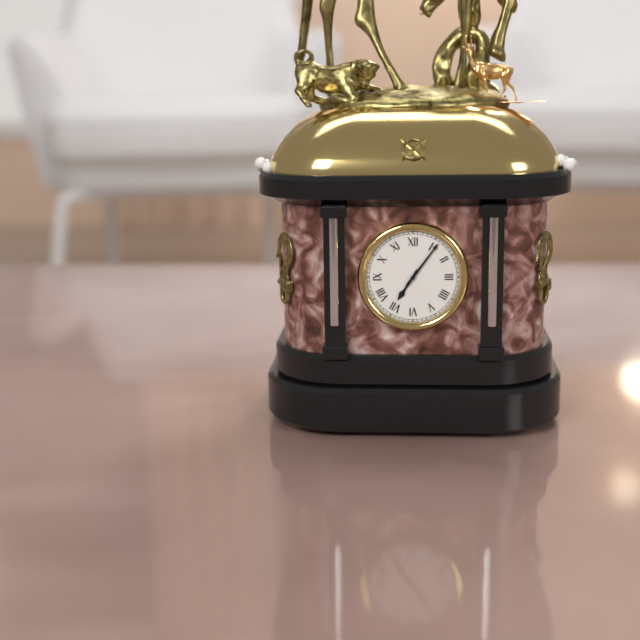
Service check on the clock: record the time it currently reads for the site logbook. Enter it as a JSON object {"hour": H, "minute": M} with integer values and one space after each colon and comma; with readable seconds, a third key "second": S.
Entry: {"hour": 7, "minute": 6}
